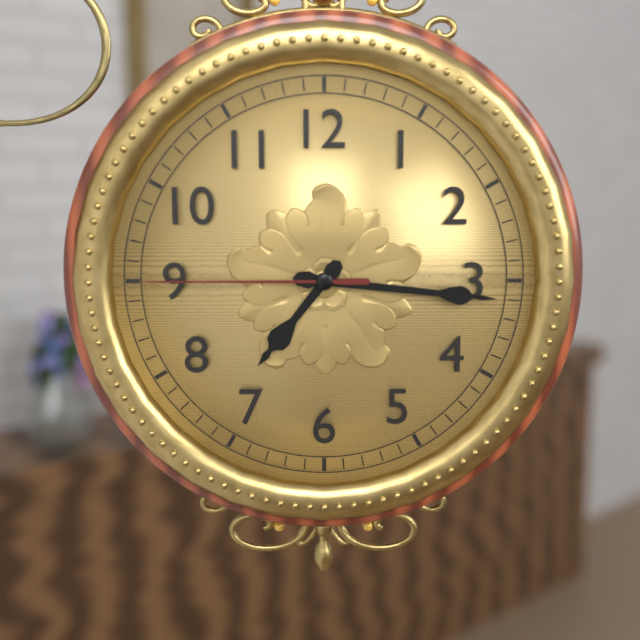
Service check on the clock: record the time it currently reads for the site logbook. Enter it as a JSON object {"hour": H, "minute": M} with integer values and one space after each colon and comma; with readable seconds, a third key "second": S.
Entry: {"hour": 7, "minute": 16, "second": 45}
